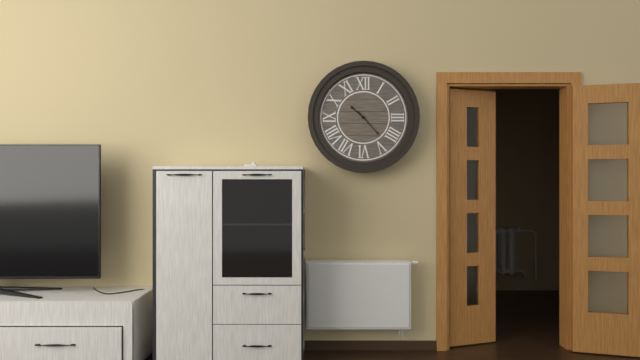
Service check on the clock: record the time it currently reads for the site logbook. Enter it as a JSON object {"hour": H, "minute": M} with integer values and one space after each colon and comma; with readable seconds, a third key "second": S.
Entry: {"hour": 10, "minute": 23}
